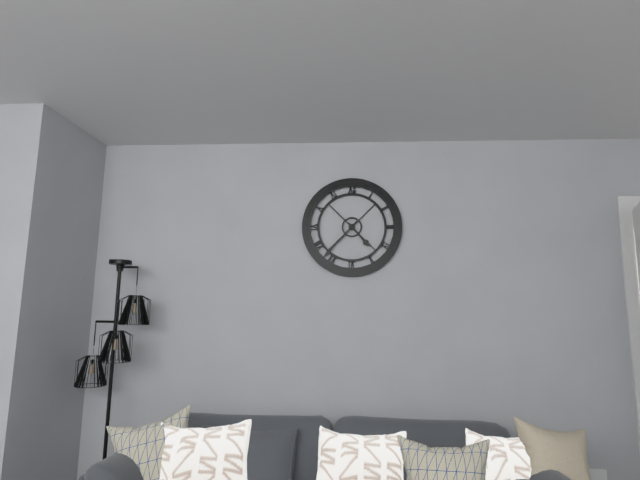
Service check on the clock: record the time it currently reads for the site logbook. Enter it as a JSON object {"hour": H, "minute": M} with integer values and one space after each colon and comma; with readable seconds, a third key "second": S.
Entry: {"hour": 4, "minute": 37}
